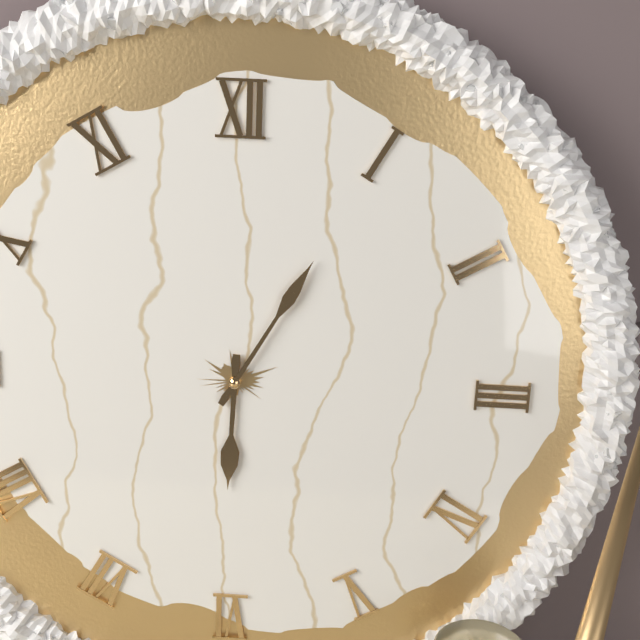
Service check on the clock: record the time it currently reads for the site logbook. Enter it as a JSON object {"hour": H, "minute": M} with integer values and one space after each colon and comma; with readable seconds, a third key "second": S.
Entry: {"hour": 6, "minute": 5}
